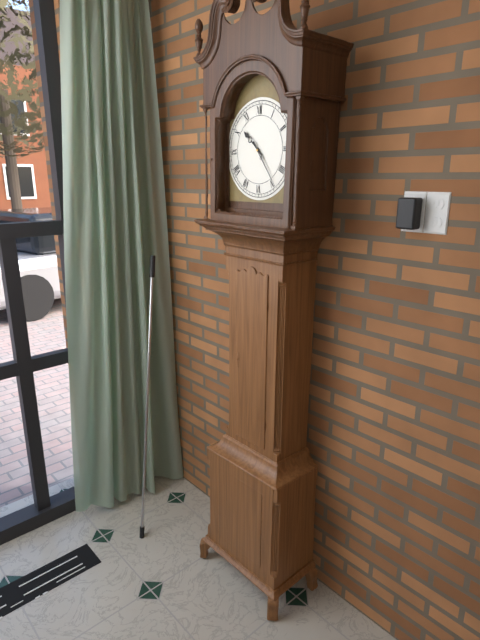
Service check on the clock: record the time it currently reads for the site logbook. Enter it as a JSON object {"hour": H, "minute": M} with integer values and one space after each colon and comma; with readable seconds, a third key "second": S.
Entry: {"hour": 10, "minute": 24}
